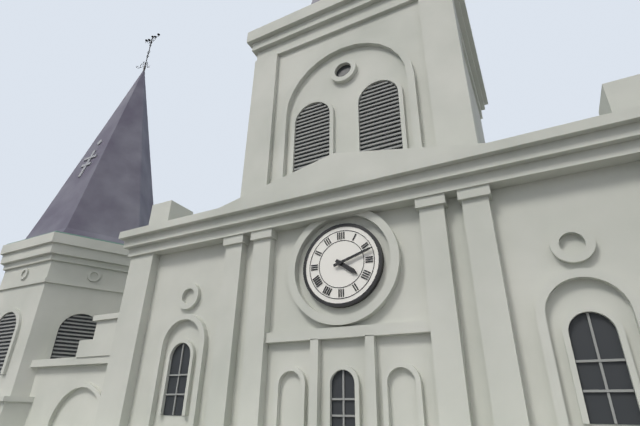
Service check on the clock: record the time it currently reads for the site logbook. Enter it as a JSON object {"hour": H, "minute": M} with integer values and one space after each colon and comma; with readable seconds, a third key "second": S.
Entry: {"hour": 4, "minute": 12}
